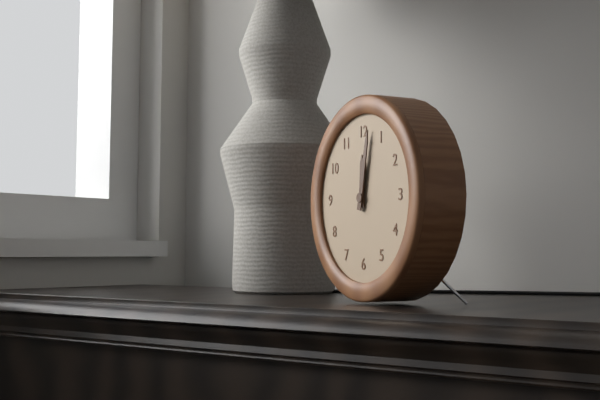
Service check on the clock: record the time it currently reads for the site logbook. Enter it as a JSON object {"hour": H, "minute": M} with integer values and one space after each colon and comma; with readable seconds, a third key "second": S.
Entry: {"hour": 12, "minute": 2}
